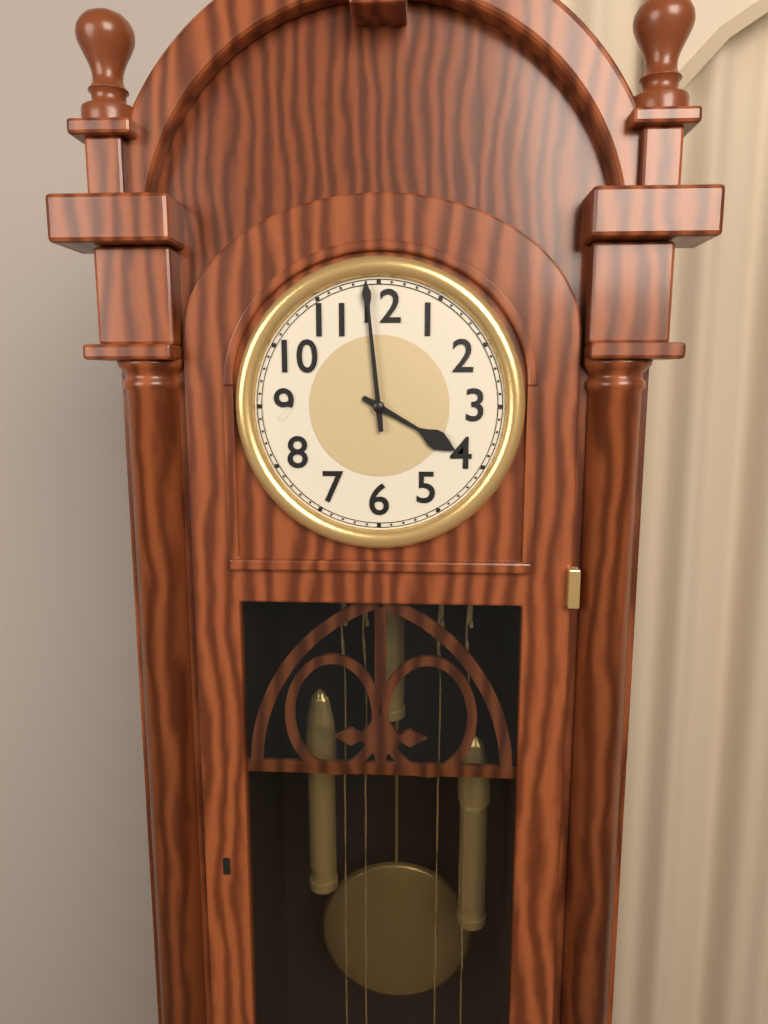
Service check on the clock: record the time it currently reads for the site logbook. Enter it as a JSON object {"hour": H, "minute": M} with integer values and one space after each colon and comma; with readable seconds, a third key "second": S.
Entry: {"hour": 3, "minute": 59}
